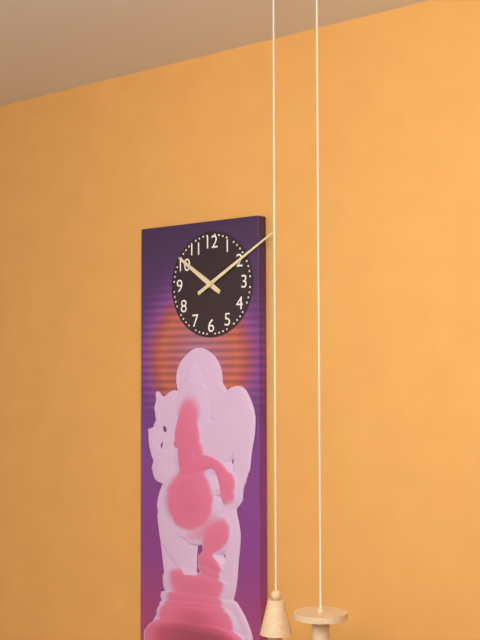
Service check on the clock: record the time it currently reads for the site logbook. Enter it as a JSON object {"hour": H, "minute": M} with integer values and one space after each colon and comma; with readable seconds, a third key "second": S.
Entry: {"hour": 10, "minute": 10}
